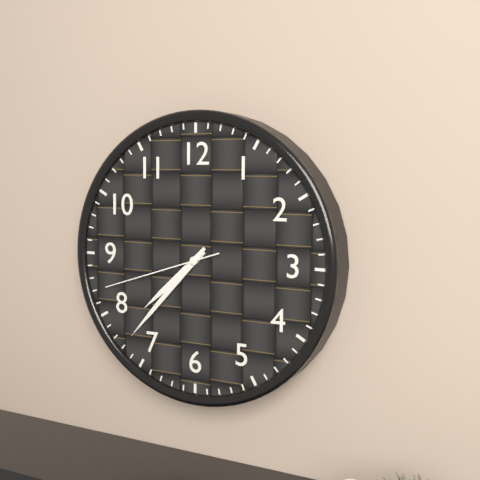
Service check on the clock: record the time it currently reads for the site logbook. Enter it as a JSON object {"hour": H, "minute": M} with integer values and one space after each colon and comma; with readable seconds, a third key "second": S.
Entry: {"hour": 7, "minute": 37, "second": 42}
